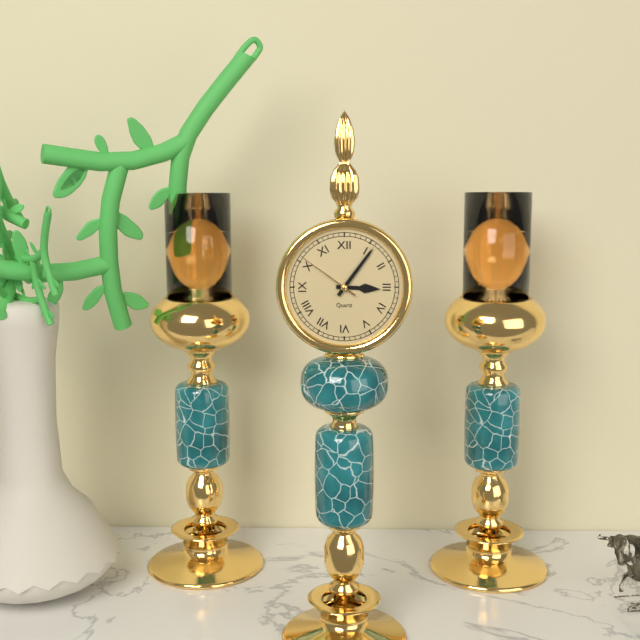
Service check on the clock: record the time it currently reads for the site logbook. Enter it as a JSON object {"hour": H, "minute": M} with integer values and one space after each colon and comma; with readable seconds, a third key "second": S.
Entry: {"hour": 3, "minute": 6, "second": 51}
